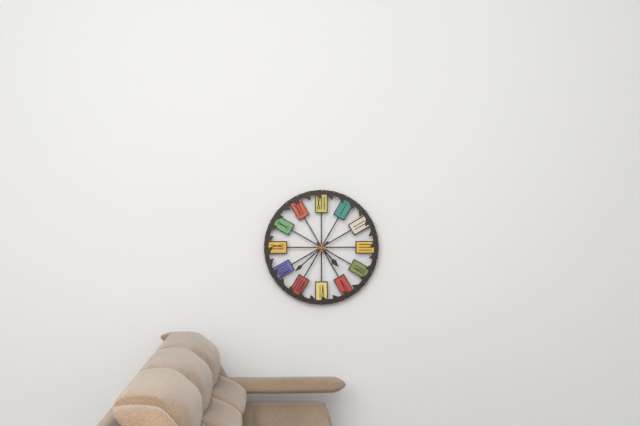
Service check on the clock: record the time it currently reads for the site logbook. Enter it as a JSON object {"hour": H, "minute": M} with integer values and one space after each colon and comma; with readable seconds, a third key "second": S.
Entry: {"hour": 4, "minute": 38}
